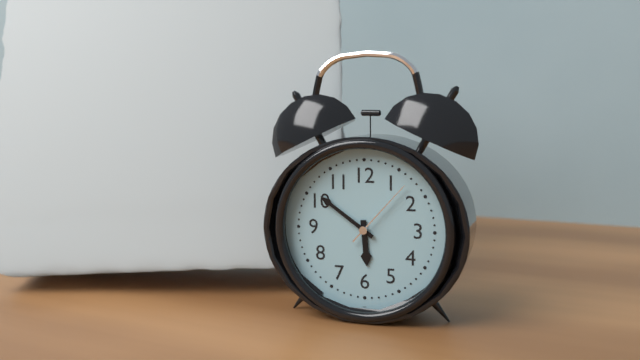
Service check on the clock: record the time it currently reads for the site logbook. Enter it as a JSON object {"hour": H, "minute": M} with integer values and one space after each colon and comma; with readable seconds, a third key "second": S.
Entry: {"hour": 5, "minute": 51, "second": 7}
